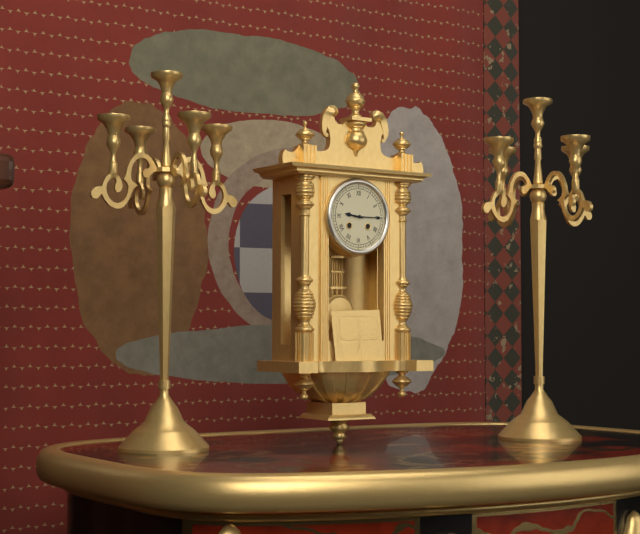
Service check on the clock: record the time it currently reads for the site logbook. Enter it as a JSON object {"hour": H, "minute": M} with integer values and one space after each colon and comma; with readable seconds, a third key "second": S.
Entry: {"hour": 9, "minute": 15}
